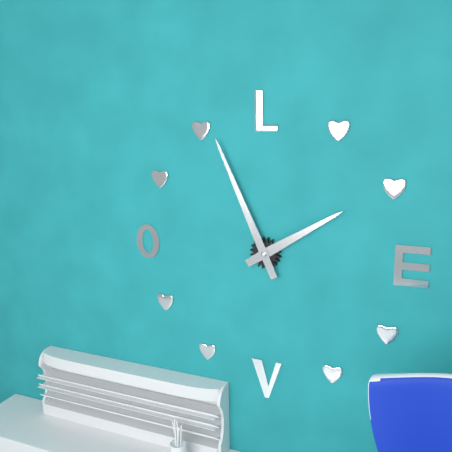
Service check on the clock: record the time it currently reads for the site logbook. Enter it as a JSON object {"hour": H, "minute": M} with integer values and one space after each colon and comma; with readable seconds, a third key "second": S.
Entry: {"hour": 1, "minute": 56}
